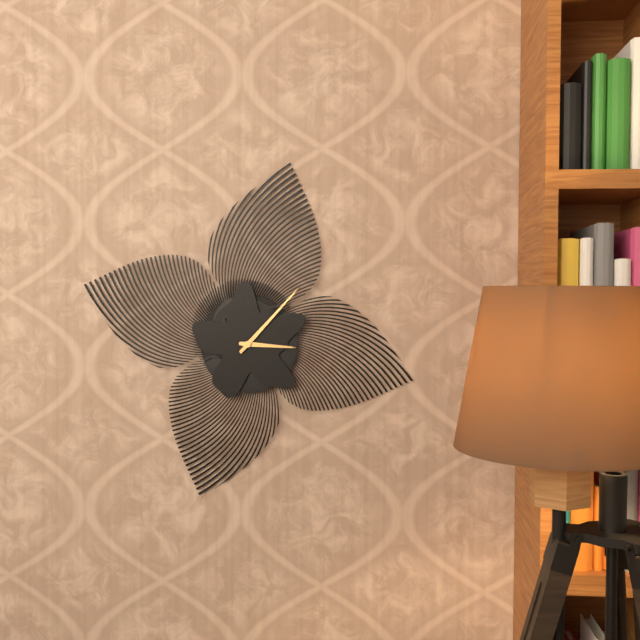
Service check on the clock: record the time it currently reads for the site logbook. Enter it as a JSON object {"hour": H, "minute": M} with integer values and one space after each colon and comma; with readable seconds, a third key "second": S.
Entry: {"hour": 3, "minute": 7}
